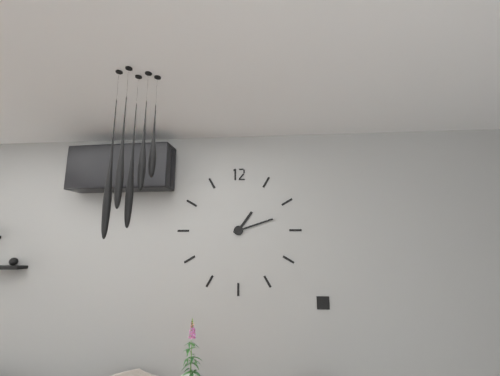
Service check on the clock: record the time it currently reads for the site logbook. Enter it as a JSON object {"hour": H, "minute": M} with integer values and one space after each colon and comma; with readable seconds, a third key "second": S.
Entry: {"hour": 1, "minute": 12}
